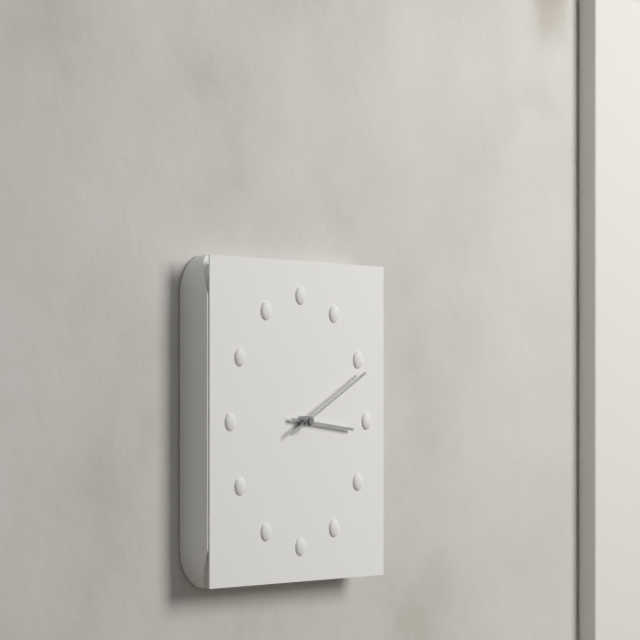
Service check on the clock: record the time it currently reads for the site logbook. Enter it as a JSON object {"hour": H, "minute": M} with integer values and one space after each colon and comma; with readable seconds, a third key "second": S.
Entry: {"hour": 3, "minute": 11}
